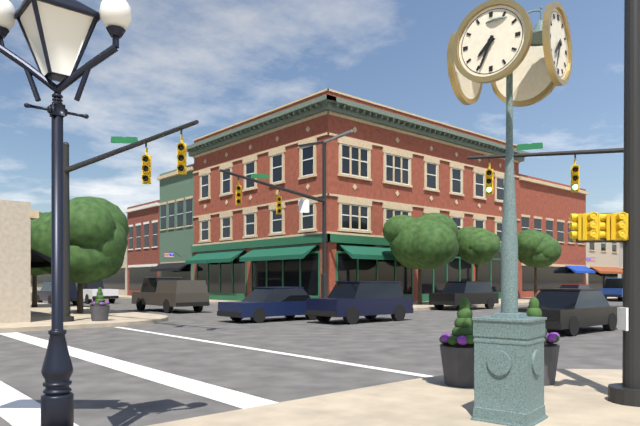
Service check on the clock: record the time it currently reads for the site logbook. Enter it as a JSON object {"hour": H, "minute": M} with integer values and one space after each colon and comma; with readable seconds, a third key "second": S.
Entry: {"hour": 7, "minute": 34}
